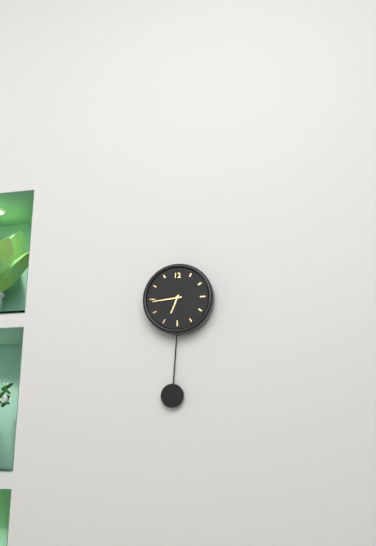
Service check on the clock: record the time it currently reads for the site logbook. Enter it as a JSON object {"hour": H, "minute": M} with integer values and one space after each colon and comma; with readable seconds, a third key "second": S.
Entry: {"hour": 6, "minute": 44}
